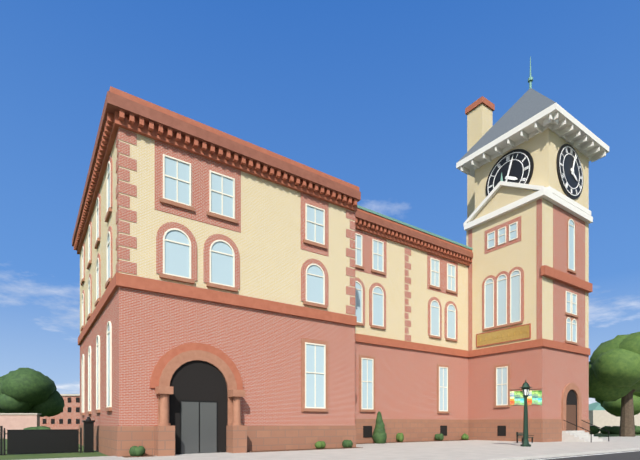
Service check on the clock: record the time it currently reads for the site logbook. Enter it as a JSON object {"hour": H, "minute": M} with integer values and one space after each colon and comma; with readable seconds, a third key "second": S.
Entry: {"hour": 4, "minute": 3}
